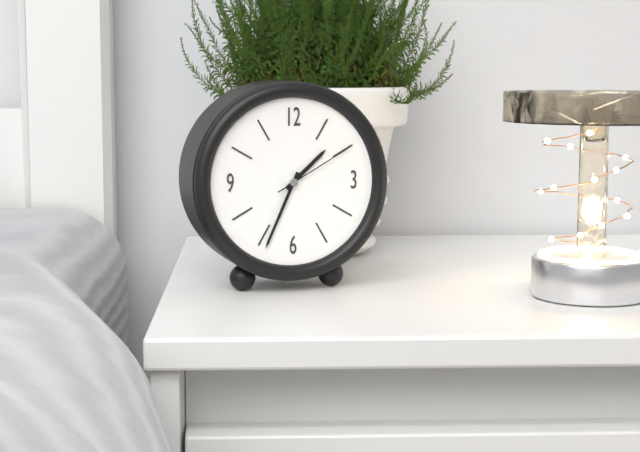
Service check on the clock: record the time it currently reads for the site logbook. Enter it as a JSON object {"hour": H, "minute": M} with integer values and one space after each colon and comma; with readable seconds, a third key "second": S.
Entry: {"hour": 1, "minute": 34, "second": 10}
